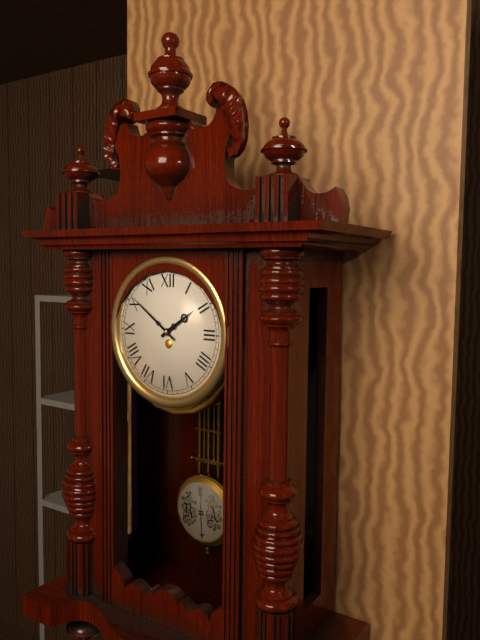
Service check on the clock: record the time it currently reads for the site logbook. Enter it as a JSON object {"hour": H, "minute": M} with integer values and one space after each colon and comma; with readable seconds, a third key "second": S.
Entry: {"hour": 1, "minute": 51}
